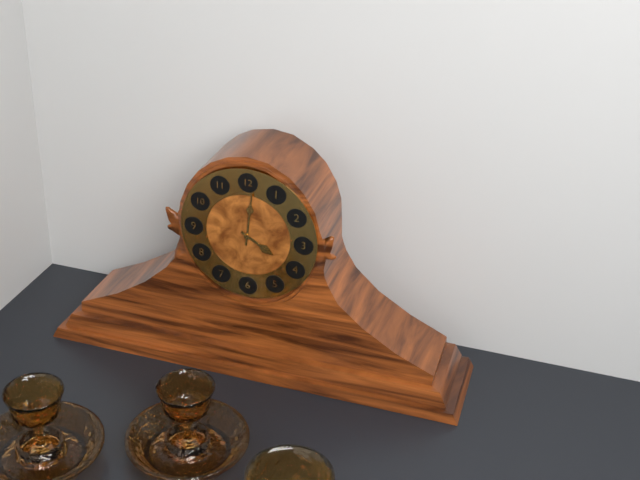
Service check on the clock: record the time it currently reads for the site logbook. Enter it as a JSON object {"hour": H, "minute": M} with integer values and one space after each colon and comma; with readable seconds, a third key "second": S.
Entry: {"hour": 4, "minute": 1}
